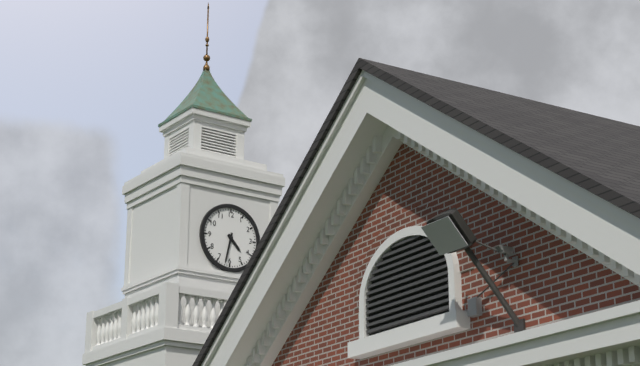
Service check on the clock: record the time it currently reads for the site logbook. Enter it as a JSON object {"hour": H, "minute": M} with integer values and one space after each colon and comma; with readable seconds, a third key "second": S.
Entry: {"hour": 4, "minute": 32}
